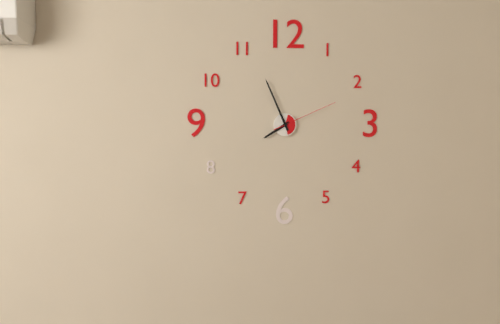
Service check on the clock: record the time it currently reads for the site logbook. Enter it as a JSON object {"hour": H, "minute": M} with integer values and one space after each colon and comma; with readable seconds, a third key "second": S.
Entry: {"hour": 7, "minute": 56, "second": 11}
